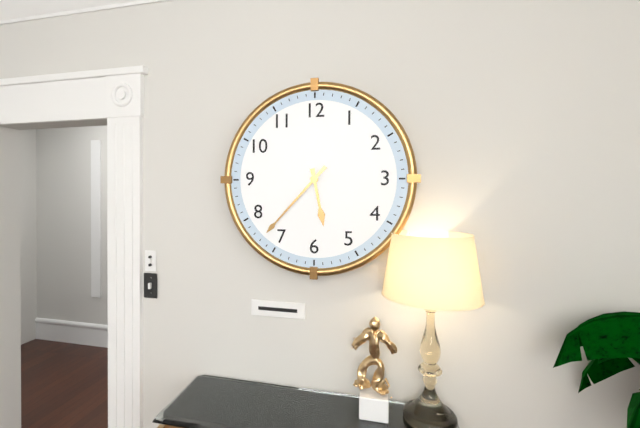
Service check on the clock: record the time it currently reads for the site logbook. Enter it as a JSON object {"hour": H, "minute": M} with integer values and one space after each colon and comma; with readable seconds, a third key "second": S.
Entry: {"hour": 5, "minute": 37}
